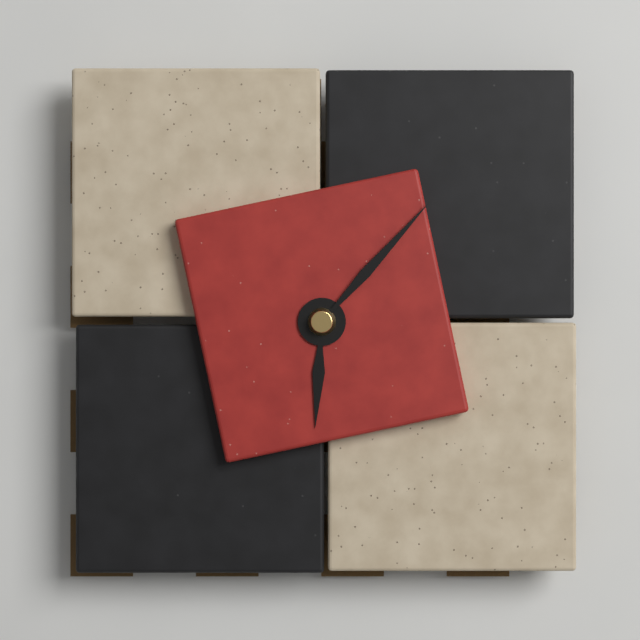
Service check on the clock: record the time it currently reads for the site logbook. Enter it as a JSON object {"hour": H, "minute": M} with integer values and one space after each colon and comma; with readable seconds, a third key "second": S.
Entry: {"hour": 6, "minute": 7}
